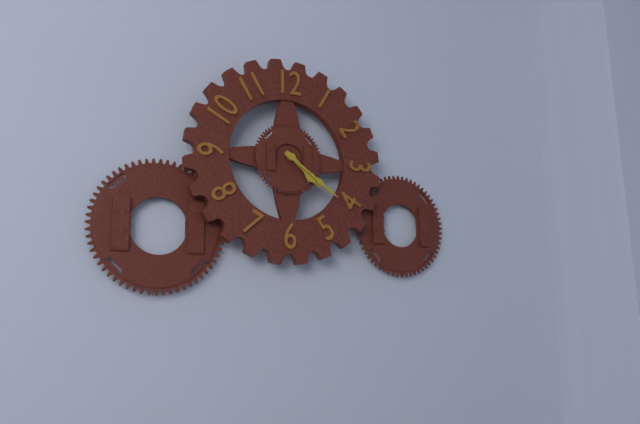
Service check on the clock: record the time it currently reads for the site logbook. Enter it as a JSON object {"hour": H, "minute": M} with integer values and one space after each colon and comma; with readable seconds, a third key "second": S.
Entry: {"hour": 4, "minute": 21}
